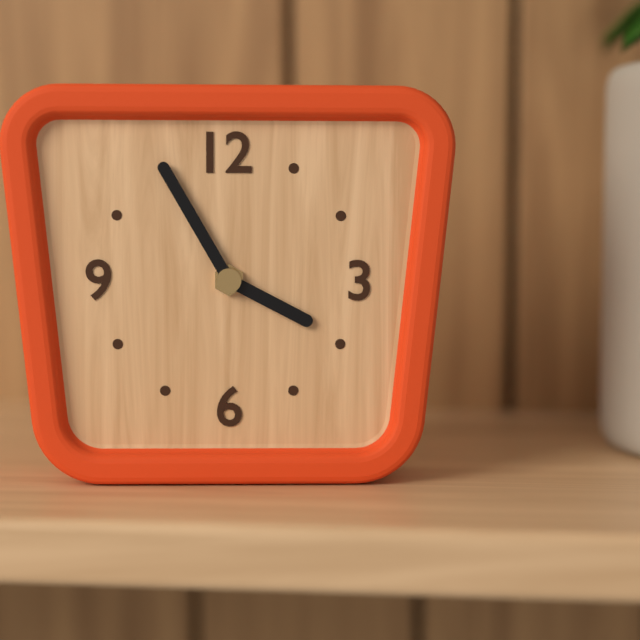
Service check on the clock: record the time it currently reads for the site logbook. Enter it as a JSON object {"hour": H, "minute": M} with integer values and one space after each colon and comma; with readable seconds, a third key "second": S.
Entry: {"hour": 3, "minute": 55}
